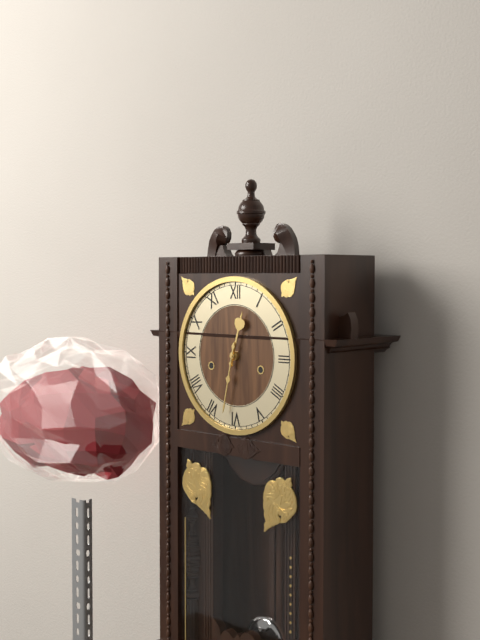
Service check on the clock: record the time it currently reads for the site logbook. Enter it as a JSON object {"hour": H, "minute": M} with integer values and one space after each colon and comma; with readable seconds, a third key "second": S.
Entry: {"hour": 12, "minute": 32}
